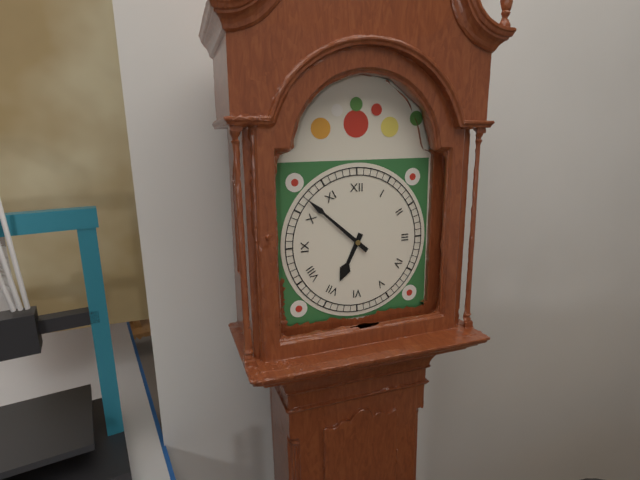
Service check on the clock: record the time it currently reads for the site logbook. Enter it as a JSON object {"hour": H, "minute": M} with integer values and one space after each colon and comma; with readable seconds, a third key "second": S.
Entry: {"hour": 6, "minute": 52}
